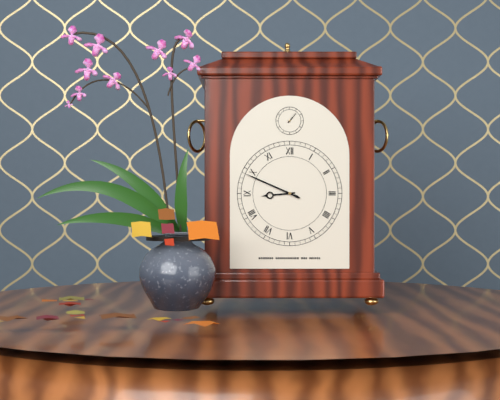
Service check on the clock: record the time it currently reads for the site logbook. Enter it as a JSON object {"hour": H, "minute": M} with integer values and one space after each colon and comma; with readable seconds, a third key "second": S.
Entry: {"hour": 8, "minute": 49}
